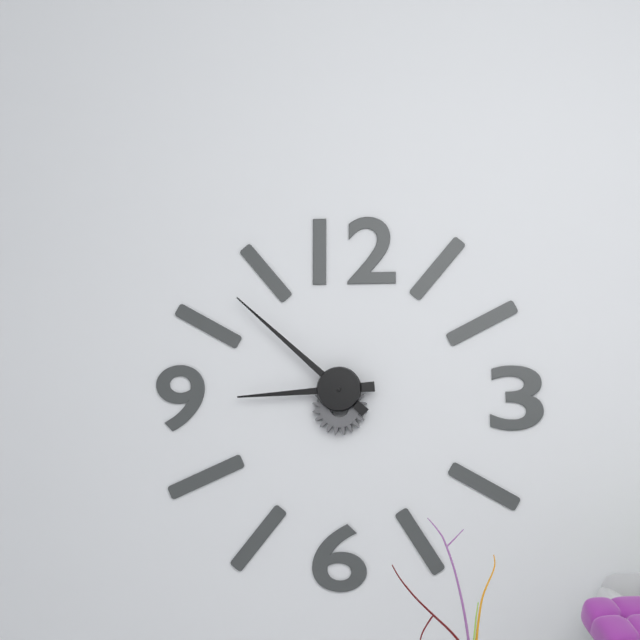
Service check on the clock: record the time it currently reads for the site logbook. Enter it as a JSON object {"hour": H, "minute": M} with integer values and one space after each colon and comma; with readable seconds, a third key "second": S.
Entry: {"hour": 8, "minute": 52}
